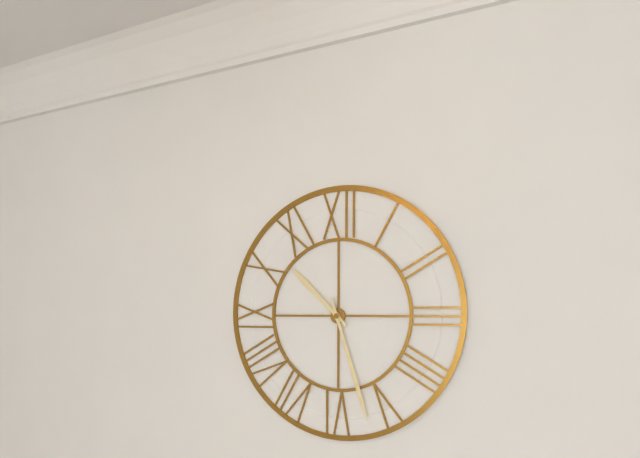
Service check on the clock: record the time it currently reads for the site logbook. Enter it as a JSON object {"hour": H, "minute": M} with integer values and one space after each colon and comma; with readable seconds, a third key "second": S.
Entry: {"hour": 10, "minute": 27}
